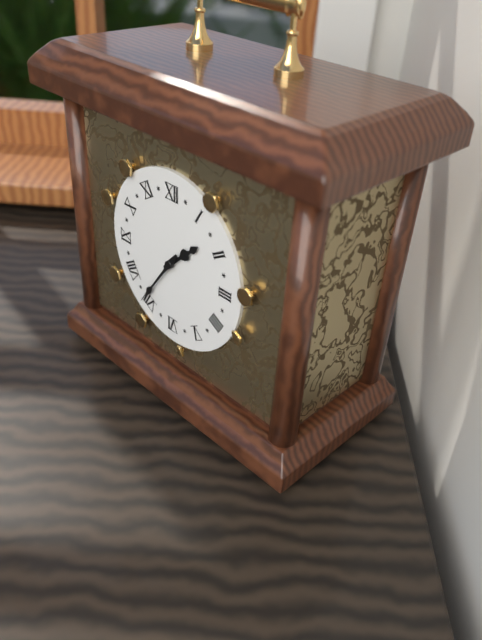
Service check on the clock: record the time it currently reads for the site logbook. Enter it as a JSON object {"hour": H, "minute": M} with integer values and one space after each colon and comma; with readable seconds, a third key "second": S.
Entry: {"hour": 1, "minute": 36}
